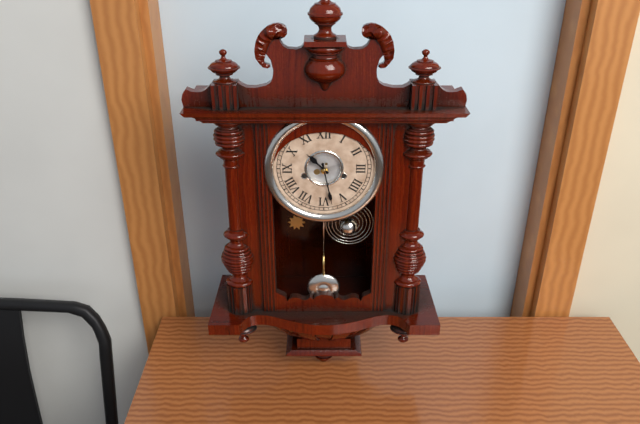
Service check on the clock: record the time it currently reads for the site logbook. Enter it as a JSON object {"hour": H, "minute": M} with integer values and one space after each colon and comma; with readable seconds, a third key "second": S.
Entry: {"hour": 10, "minute": 28}
